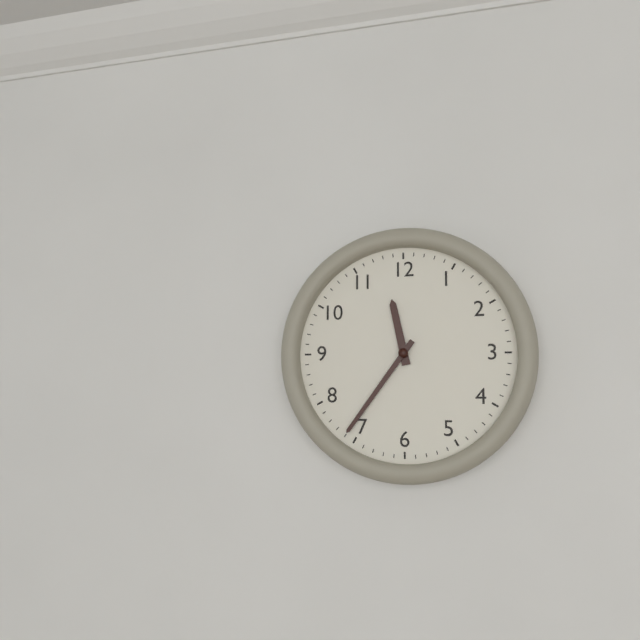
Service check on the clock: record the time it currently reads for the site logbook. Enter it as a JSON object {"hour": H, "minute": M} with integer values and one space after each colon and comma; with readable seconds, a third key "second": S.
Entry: {"hour": 11, "minute": 36}
